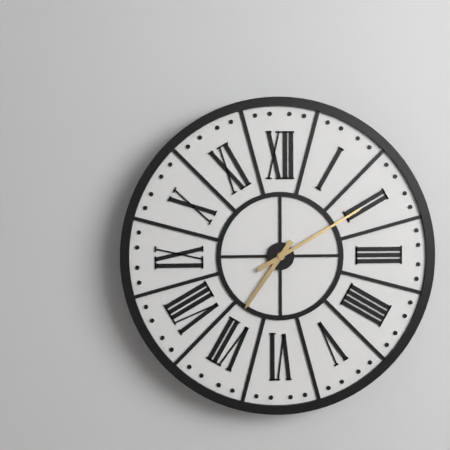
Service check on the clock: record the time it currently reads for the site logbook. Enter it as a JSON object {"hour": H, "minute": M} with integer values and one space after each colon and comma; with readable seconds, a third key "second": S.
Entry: {"hour": 7, "minute": 10}
